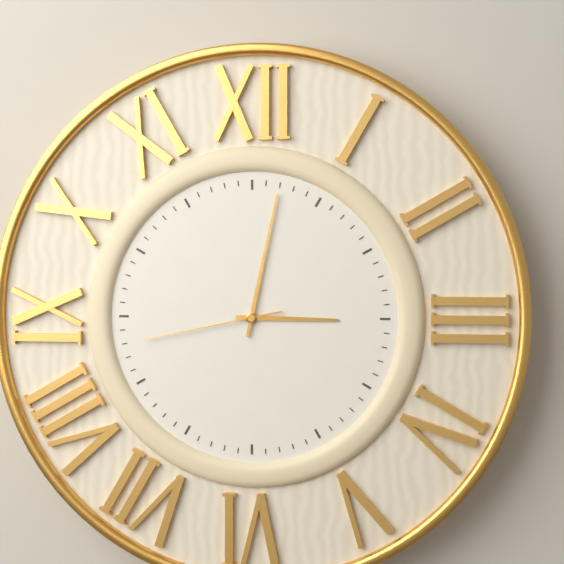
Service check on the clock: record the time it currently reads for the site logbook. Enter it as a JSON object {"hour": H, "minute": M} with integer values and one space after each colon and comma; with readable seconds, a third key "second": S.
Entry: {"hour": 3, "minute": 2, "second": 43}
